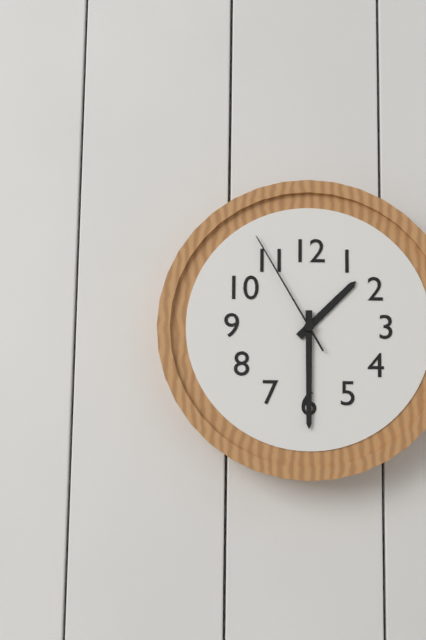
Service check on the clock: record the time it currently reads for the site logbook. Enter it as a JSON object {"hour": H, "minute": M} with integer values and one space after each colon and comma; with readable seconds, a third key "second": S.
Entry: {"hour": 1, "minute": 30, "second": 55}
